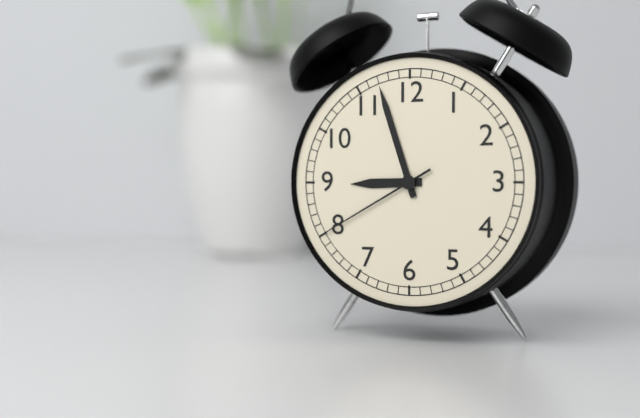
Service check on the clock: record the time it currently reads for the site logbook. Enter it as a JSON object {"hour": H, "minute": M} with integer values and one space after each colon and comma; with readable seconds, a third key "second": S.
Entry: {"hour": 8, "minute": 57, "second": 40}
